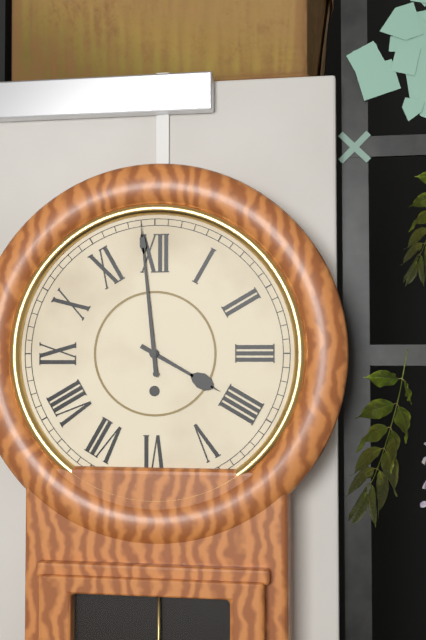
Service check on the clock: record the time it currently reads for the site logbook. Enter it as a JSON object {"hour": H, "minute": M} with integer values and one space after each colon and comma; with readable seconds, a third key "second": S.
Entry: {"hour": 3, "minute": 59}
